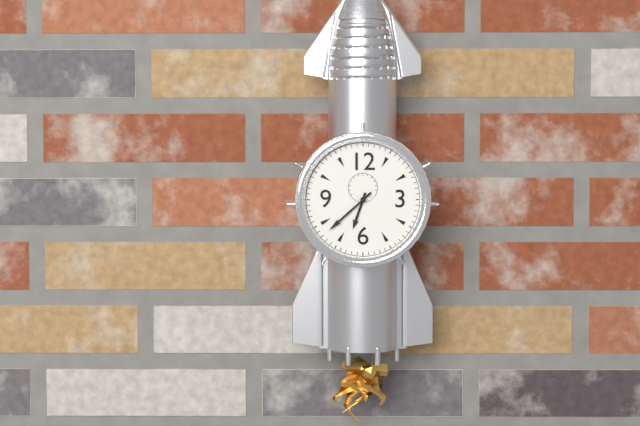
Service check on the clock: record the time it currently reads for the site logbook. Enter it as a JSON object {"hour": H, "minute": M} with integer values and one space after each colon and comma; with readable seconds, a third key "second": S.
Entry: {"hour": 6, "minute": 38}
